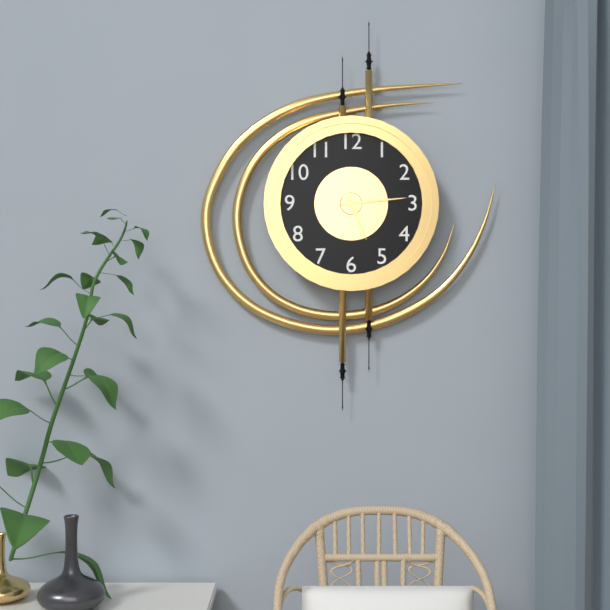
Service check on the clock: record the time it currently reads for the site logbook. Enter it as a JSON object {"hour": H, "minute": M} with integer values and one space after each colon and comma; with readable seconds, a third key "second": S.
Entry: {"hour": 5, "minute": 14}
